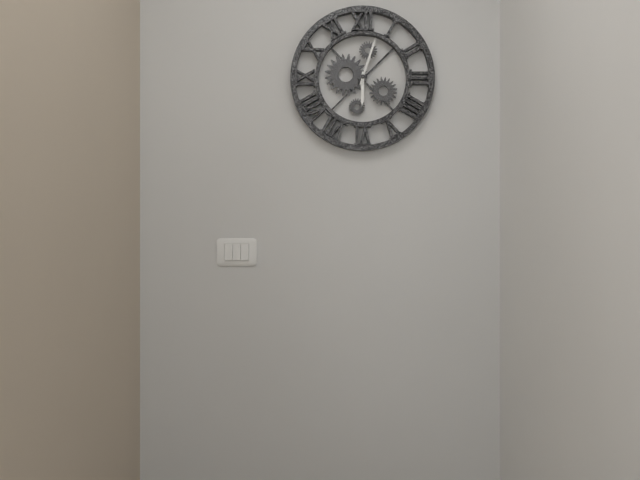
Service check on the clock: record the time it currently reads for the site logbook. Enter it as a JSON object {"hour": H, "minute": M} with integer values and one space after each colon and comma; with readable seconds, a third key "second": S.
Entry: {"hour": 6, "minute": 3}
